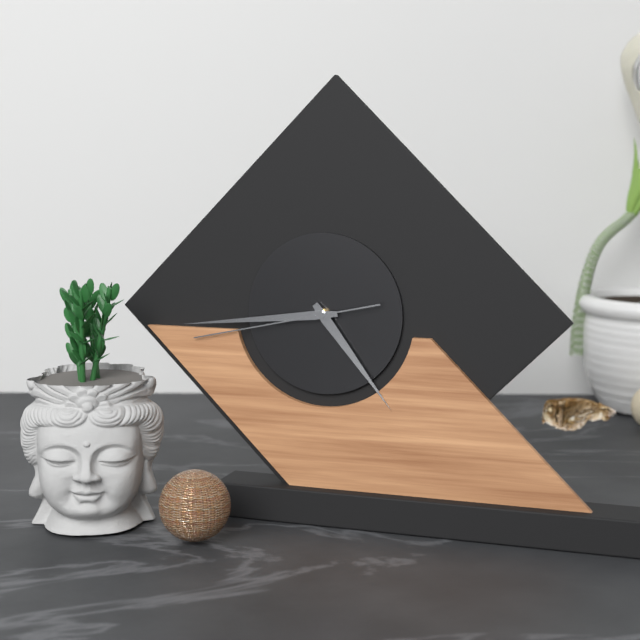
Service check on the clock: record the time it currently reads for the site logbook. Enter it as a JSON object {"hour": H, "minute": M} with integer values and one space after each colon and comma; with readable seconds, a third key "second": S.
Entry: {"hour": 4, "minute": 44, "second": 43}
